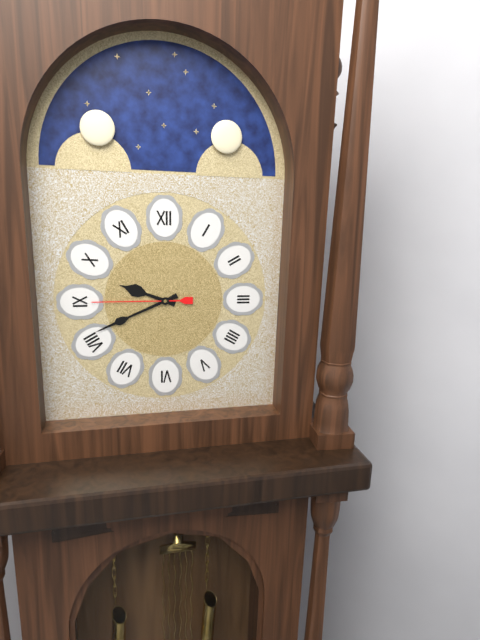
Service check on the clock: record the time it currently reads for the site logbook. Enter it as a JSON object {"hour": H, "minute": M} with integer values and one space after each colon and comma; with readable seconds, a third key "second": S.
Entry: {"hour": 9, "minute": 41, "second": 45}
